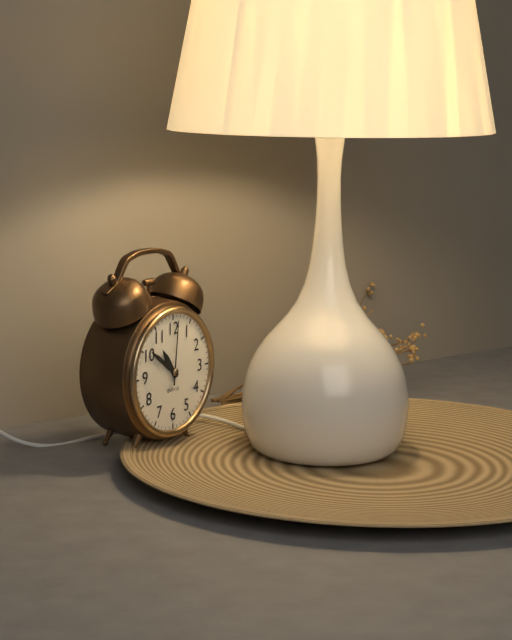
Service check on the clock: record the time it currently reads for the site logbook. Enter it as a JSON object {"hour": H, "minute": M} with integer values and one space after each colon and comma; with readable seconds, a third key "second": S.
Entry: {"hour": 10, "minute": 51, "second": 1}
